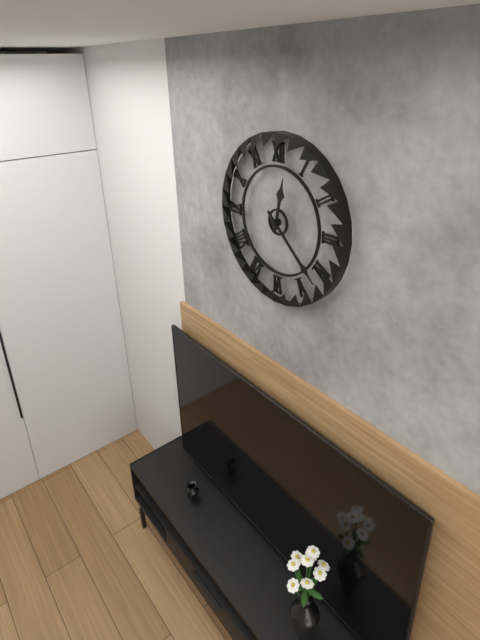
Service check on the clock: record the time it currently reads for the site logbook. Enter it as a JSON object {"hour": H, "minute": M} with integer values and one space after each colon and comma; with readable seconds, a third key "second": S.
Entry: {"hour": 12, "minute": 22}
